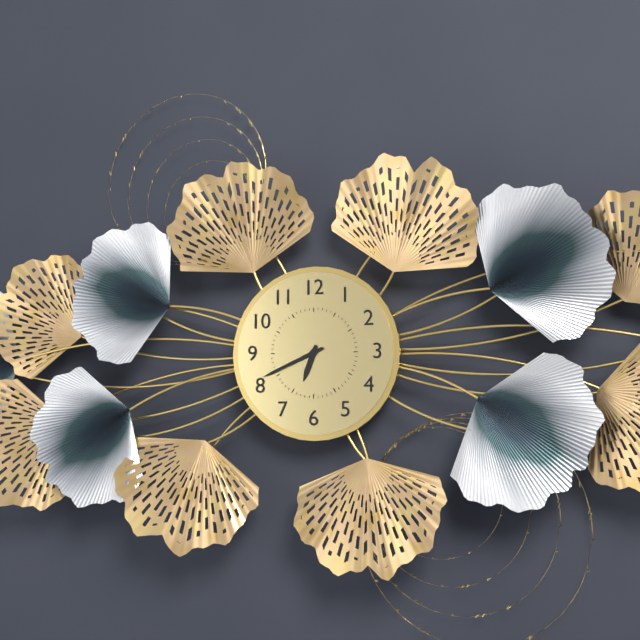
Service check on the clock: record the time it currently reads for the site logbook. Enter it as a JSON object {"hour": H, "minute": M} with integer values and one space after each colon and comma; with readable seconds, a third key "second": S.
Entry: {"hour": 6, "minute": 41}
